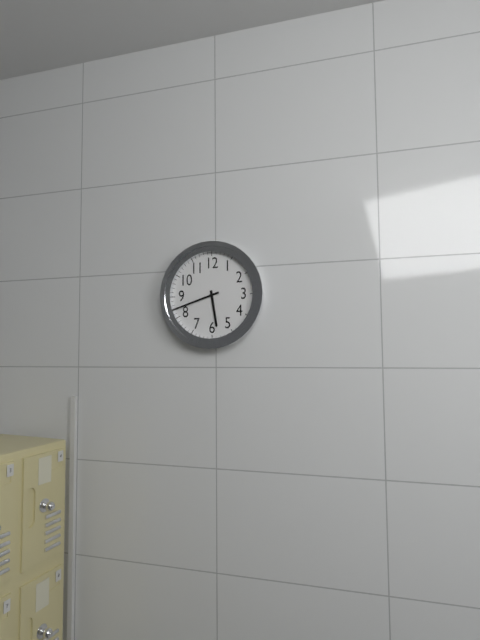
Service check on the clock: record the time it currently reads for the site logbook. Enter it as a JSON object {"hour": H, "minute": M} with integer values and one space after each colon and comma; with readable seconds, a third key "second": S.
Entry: {"hour": 5, "minute": 42}
